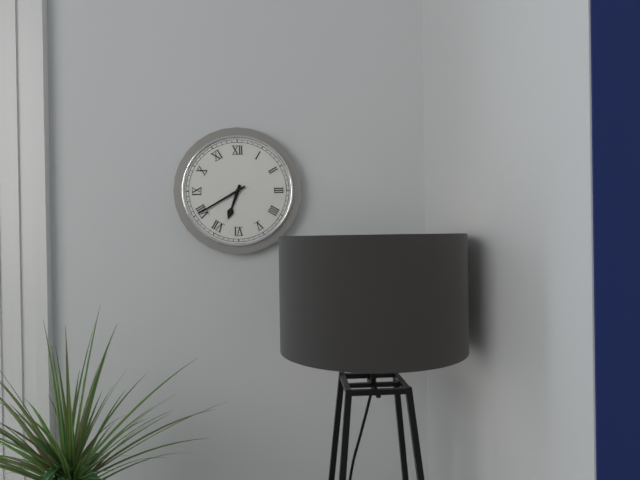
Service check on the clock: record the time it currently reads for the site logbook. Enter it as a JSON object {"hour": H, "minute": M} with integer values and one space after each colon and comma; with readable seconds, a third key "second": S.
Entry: {"hour": 6, "minute": 40}
